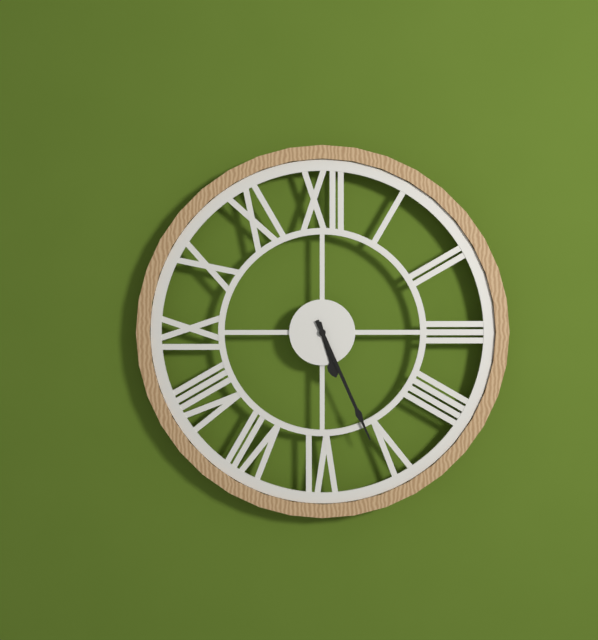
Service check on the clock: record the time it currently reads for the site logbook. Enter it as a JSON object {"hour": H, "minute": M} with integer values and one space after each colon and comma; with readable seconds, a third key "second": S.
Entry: {"hour": 5, "minute": 26}
